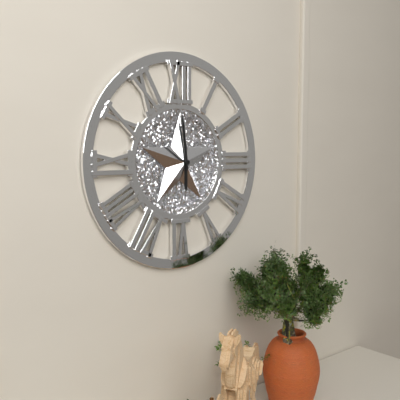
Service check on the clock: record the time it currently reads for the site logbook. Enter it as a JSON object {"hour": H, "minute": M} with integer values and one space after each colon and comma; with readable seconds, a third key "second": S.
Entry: {"hour": 5, "minute": 59}
